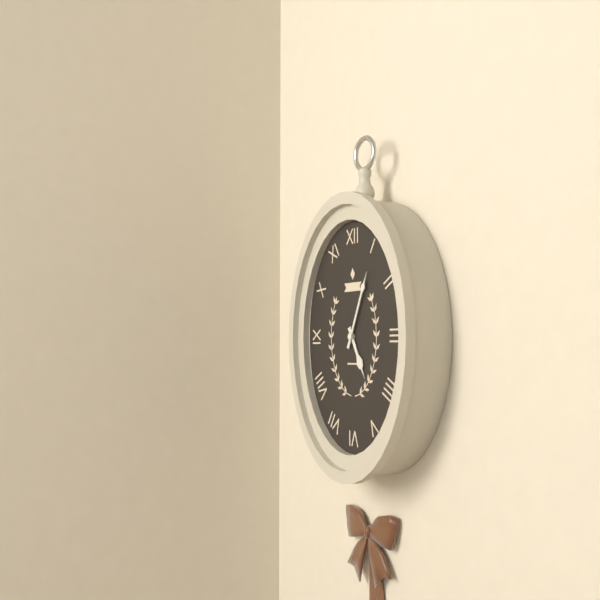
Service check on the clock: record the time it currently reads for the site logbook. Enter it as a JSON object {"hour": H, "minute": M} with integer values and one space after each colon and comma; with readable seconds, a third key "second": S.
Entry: {"hour": 5, "minute": 4}
